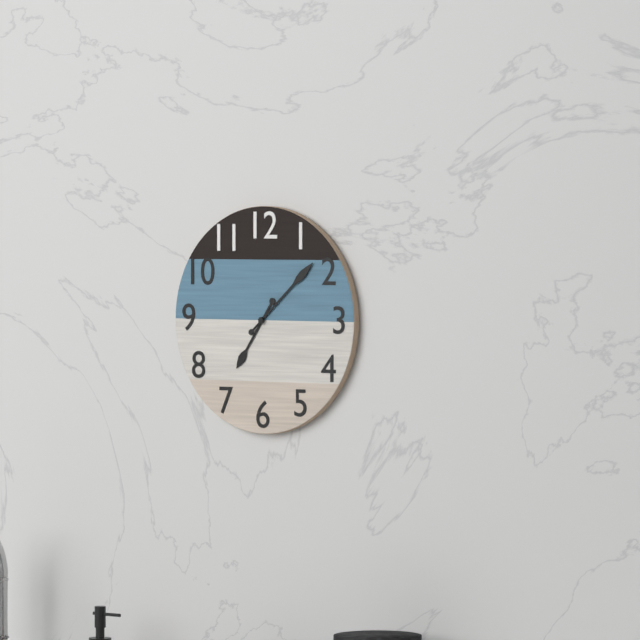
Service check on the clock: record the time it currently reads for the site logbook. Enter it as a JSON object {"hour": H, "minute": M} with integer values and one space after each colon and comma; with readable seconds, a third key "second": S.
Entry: {"hour": 7, "minute": 8}
